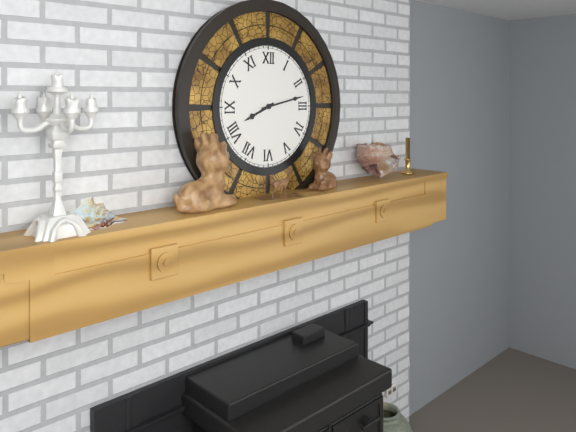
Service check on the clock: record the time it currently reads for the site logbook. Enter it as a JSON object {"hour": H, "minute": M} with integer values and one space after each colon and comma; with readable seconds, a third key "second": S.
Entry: {"hour": 8, "minute": 13}
